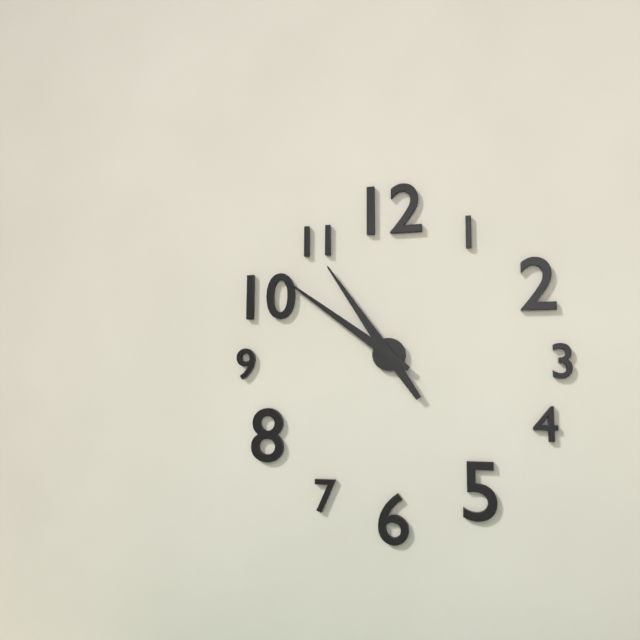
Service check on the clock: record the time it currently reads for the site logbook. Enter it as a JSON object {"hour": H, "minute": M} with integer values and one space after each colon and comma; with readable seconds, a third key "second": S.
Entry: {"hour": 10, "minute": 51}
